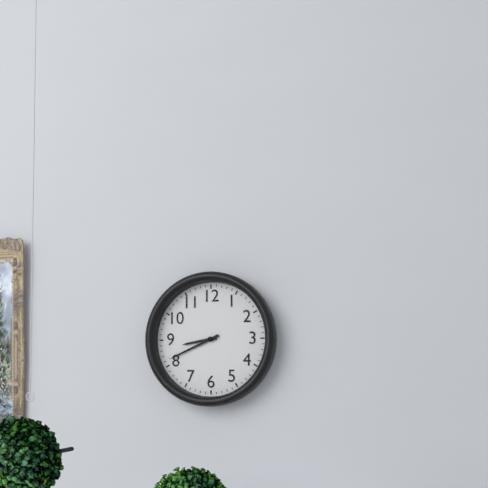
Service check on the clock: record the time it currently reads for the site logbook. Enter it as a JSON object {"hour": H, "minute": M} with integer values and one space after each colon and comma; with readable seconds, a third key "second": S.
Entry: {"hour": 8, "minute": 41}
